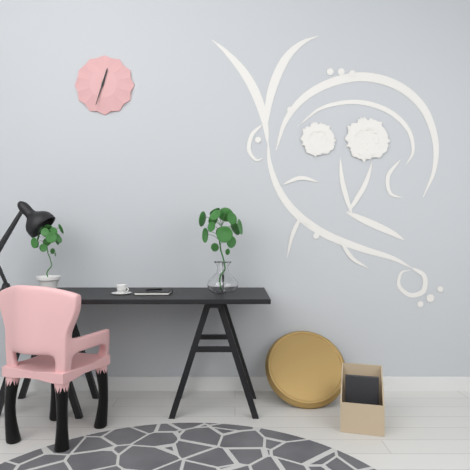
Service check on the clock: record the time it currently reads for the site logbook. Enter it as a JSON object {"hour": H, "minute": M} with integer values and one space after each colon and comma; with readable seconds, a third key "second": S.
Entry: {"hour": 12, "minute": 33}
